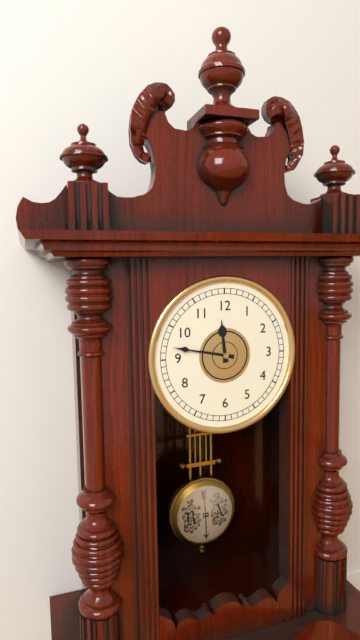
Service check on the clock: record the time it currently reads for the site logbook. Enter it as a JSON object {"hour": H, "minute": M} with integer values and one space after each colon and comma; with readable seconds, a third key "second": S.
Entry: {"hour": 11, "minute": 47}
